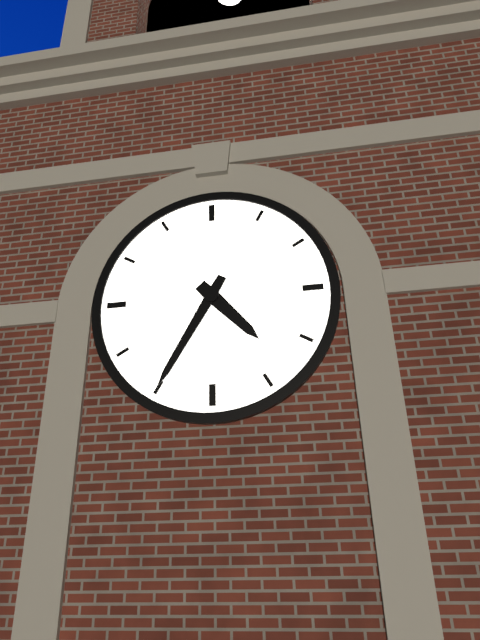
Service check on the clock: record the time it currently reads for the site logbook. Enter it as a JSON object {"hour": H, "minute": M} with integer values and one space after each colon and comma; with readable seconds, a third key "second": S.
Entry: {"hour": 4, "minute": 35}
